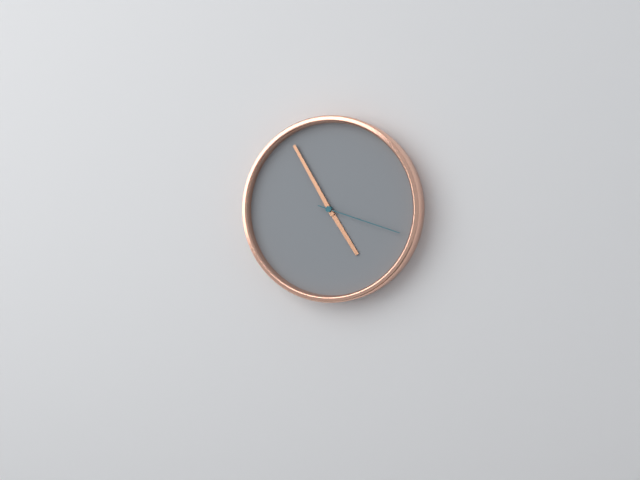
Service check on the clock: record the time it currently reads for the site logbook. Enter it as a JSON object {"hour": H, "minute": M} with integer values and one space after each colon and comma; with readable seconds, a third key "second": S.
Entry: {"hour": 4, "minute": 55, "second": 18}
